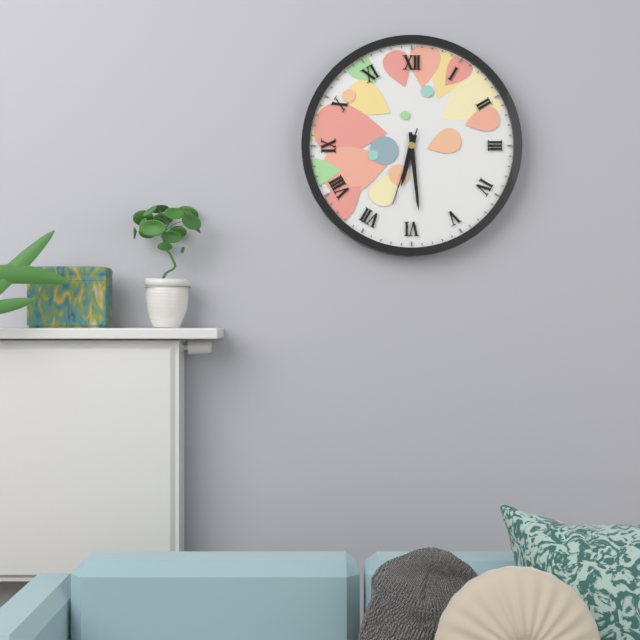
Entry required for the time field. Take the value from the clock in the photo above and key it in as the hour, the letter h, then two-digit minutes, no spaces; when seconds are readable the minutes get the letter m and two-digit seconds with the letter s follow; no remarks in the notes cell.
6h29m33s
